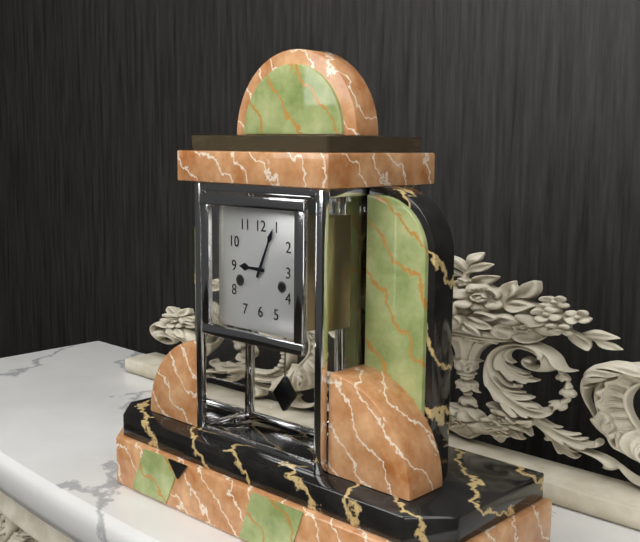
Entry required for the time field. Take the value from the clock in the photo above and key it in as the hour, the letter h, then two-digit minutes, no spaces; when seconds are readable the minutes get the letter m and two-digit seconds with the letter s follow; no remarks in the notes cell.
9h04
